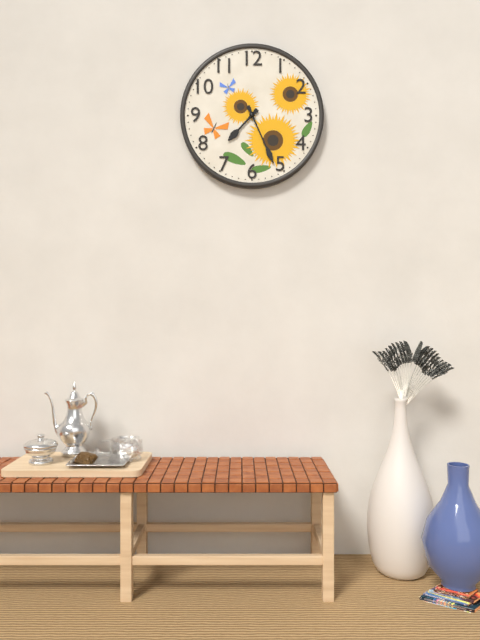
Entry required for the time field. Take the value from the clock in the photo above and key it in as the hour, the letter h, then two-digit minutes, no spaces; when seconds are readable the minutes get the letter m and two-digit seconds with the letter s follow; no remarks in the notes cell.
7h26
